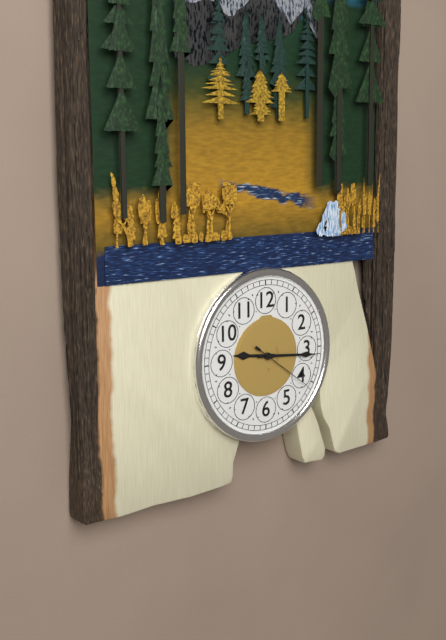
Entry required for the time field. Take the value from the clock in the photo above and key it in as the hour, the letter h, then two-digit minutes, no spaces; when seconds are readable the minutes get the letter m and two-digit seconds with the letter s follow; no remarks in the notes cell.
9h16m21s
